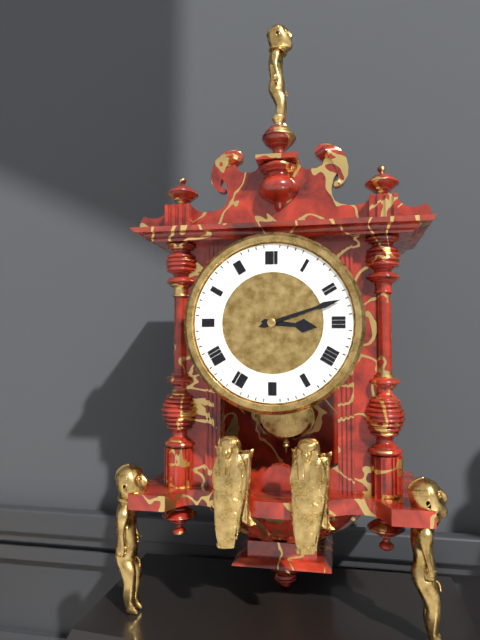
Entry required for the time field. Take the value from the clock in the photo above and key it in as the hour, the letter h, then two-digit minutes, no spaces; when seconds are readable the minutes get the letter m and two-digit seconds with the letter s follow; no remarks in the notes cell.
3h12
